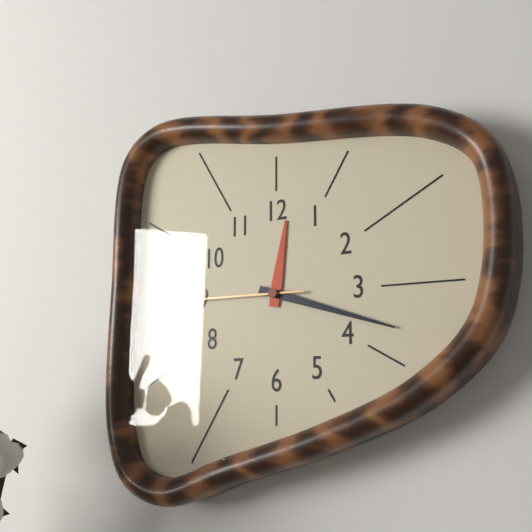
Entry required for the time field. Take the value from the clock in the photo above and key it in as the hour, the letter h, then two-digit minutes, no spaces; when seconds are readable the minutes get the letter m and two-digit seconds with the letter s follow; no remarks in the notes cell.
12h18m45s
